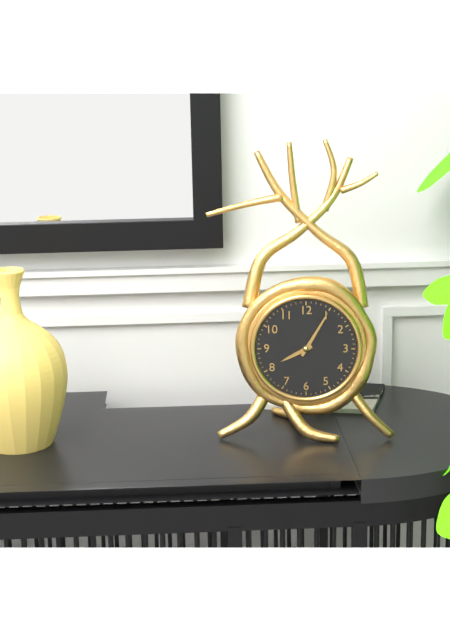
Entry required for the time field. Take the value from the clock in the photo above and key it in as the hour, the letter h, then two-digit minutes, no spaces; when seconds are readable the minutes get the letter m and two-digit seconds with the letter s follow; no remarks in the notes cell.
8h05
